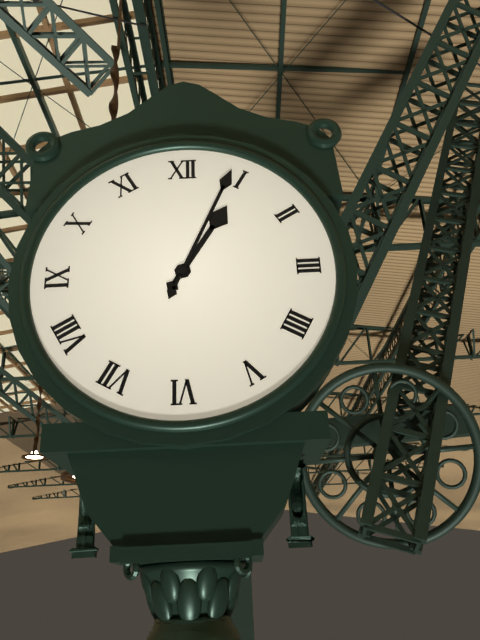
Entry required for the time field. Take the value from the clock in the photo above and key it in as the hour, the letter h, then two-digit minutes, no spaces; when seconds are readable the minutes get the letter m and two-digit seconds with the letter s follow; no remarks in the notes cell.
1h04
